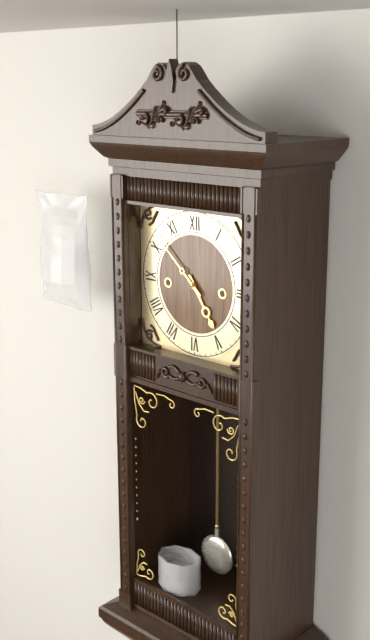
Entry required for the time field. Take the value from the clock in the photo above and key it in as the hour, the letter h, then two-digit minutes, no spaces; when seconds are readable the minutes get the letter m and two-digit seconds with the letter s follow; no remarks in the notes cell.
4h52
